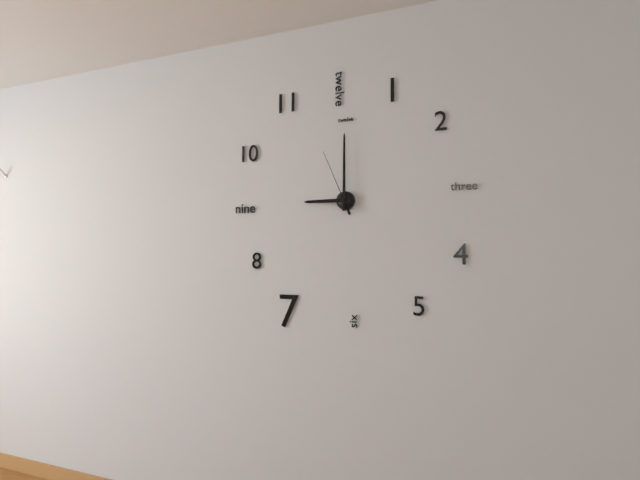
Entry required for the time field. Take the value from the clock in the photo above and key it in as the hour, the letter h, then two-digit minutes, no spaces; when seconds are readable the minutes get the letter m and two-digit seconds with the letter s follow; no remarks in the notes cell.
9h00m56s
